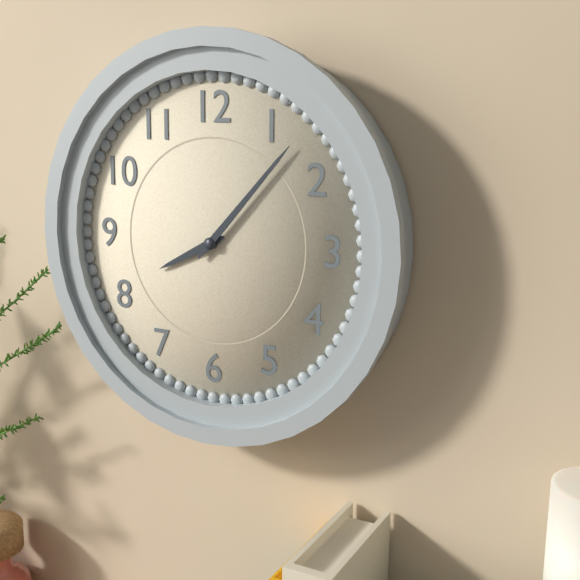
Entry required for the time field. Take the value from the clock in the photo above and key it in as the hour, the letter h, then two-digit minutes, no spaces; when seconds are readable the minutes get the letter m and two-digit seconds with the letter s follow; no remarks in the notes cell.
8h07
